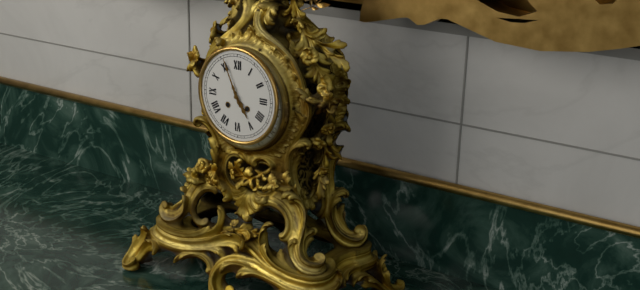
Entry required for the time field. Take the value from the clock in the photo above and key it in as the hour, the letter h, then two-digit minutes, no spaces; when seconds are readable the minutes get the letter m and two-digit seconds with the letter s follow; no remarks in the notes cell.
4h56
